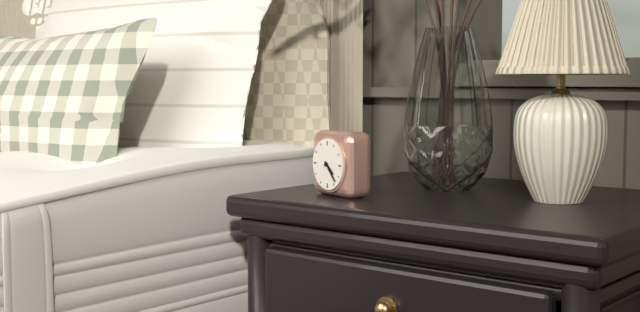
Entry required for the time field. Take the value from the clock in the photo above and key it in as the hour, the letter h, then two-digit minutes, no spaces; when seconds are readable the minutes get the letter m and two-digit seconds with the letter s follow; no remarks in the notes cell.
4h23
